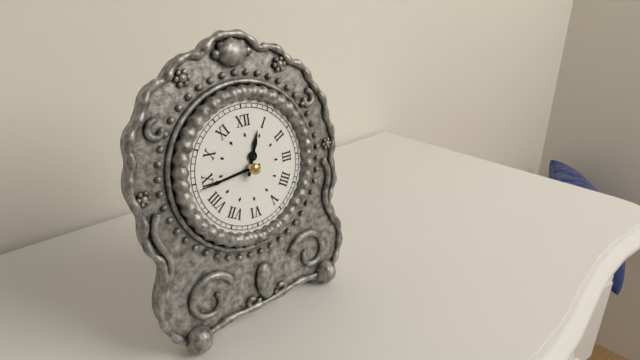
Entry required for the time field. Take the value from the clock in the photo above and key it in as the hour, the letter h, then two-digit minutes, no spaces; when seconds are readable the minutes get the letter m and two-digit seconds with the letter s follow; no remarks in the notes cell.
12h44
